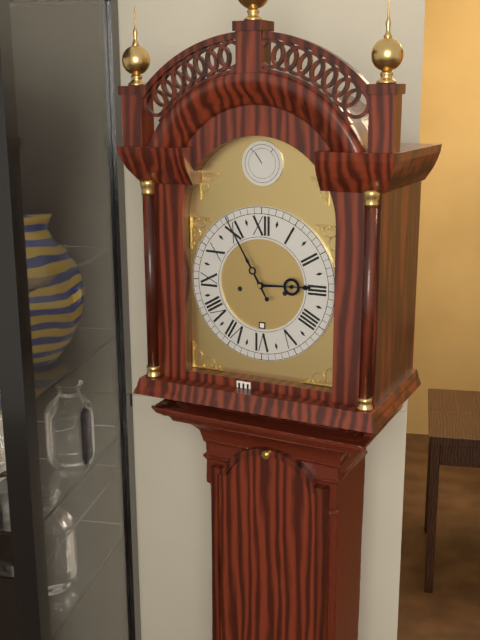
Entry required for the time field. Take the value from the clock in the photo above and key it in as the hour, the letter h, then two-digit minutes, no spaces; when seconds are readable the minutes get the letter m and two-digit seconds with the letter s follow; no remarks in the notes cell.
2h55
